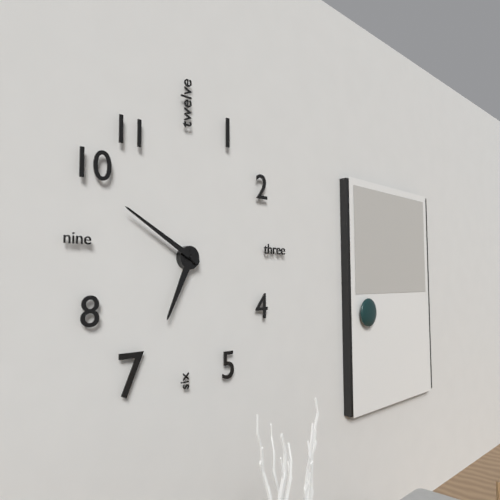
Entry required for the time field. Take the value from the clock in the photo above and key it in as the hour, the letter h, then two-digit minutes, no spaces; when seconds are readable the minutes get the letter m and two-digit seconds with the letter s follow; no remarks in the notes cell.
6h50
